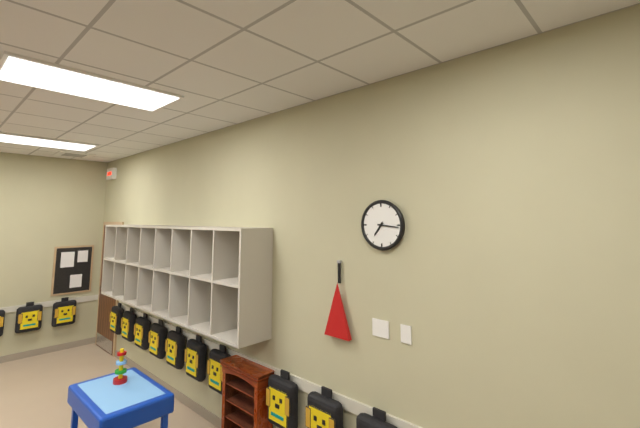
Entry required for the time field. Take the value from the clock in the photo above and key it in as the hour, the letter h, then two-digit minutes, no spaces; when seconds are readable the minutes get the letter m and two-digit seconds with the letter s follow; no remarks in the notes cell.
7h16
